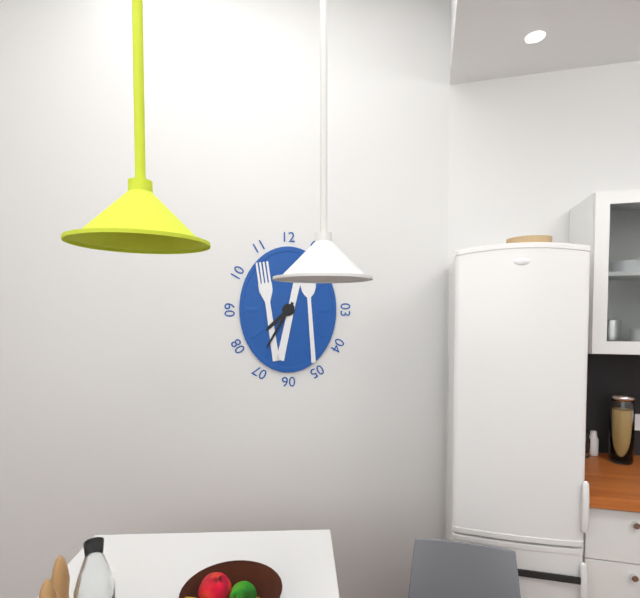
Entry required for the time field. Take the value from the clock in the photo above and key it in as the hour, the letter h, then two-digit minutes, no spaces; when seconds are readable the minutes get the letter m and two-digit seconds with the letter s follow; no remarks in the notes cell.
7h35
